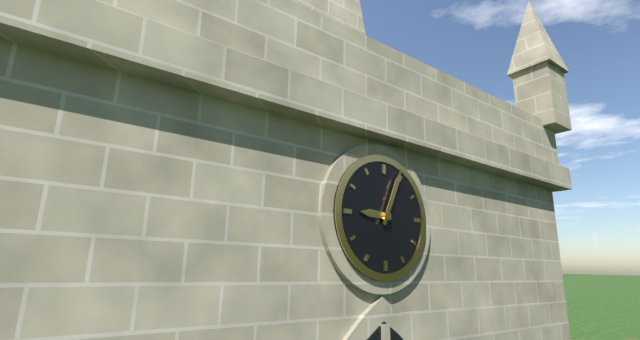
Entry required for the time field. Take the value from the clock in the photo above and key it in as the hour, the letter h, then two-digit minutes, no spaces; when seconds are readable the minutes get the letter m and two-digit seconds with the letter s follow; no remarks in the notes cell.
9h04
